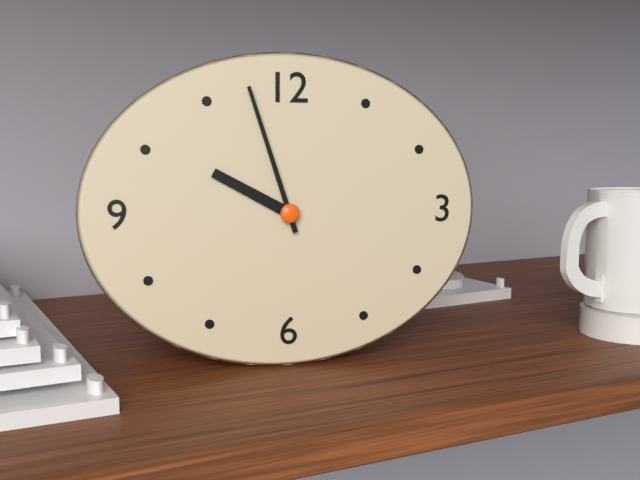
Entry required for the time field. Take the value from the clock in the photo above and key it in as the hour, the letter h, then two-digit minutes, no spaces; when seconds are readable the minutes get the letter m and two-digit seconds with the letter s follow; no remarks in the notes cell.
9h57
